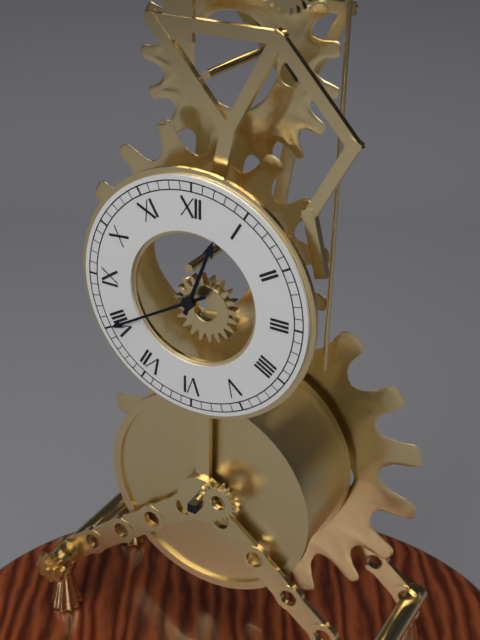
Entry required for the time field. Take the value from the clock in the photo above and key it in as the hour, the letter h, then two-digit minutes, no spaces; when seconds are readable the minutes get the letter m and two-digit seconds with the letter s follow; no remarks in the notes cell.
12h40
